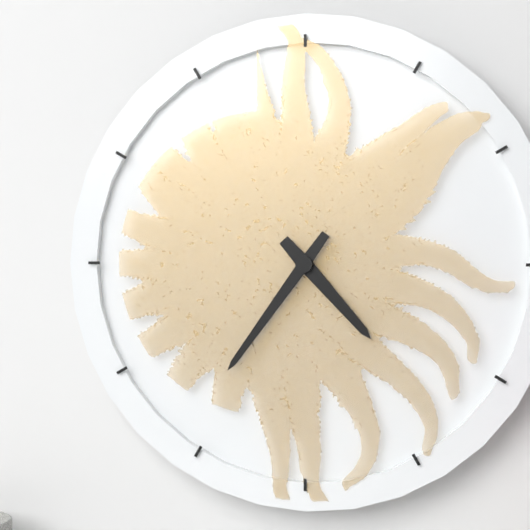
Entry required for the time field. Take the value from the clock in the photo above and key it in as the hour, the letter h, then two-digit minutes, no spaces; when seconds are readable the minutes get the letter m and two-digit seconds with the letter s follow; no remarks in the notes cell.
4h36
